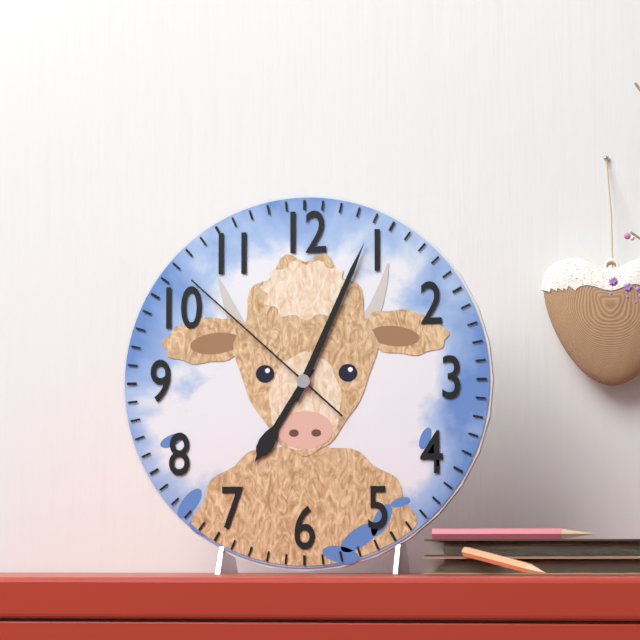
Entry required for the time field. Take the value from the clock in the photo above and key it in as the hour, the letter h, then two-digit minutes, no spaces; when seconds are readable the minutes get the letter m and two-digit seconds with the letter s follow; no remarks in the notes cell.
7h04m52s
